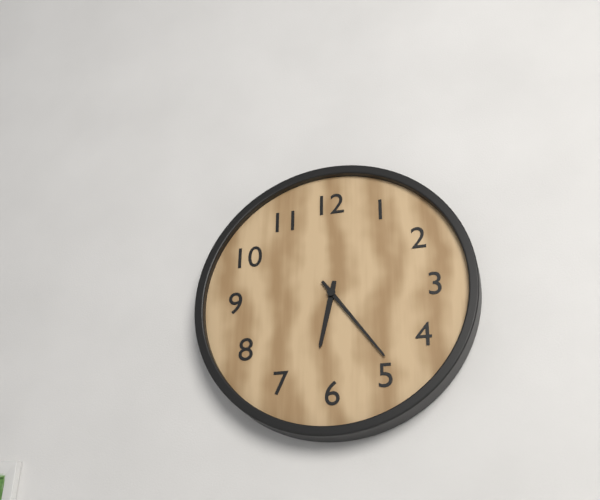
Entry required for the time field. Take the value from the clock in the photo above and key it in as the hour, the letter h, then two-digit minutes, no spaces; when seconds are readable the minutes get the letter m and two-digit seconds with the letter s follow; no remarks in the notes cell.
6h24
